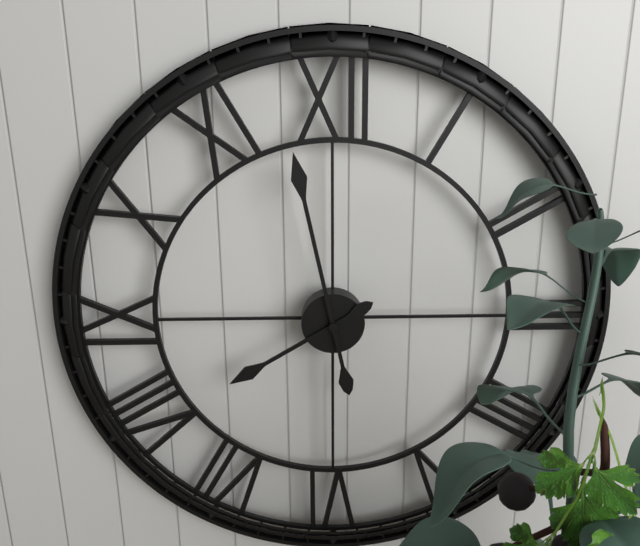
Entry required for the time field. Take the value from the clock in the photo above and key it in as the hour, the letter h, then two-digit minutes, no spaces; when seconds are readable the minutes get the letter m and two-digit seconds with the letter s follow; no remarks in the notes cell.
7h58
